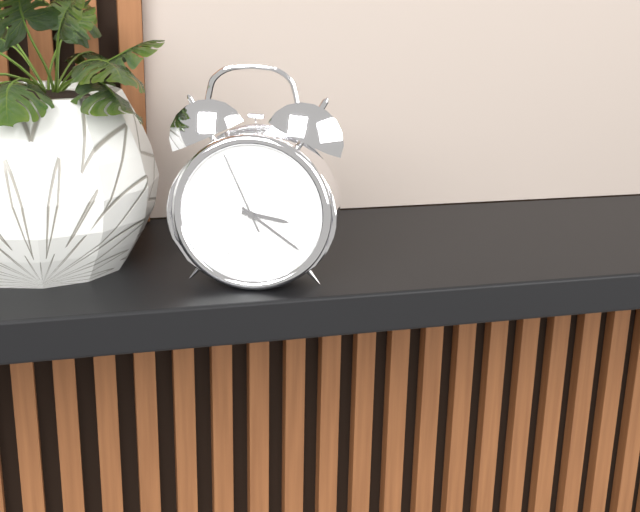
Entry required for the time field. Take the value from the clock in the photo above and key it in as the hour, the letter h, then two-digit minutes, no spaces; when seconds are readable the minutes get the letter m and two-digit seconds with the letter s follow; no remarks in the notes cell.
3h21m56s
